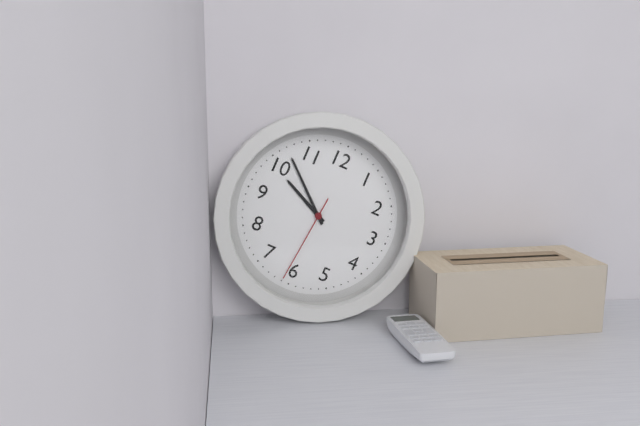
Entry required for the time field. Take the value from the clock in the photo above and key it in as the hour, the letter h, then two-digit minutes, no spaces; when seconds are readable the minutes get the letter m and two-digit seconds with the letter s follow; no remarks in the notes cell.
9h52m31s
